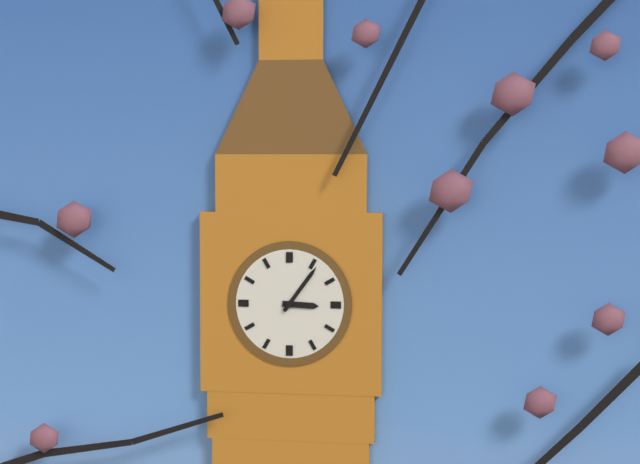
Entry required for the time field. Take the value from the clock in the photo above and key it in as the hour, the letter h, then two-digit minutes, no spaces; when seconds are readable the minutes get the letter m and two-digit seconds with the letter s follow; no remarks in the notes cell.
3h06
